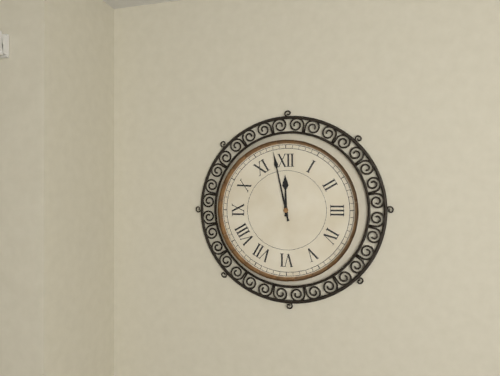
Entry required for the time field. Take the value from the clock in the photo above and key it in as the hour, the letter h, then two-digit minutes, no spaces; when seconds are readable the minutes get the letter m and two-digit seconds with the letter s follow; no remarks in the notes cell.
11h58
